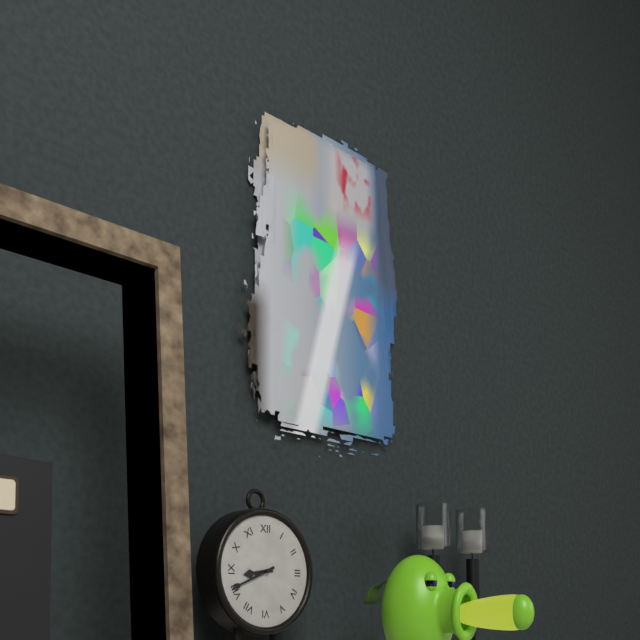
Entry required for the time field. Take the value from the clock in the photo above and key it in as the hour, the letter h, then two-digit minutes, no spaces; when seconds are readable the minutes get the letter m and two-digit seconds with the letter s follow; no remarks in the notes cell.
8h41
